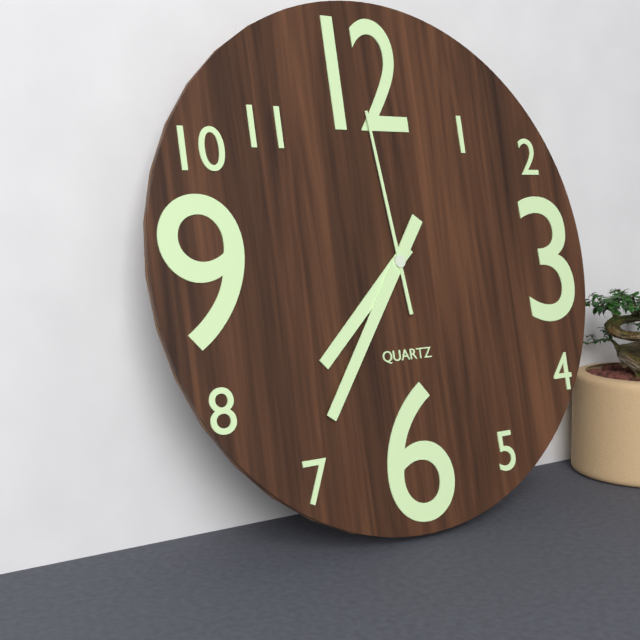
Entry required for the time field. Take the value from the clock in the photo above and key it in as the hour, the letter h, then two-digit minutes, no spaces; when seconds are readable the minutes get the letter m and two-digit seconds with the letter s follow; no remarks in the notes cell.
7h36m59s
